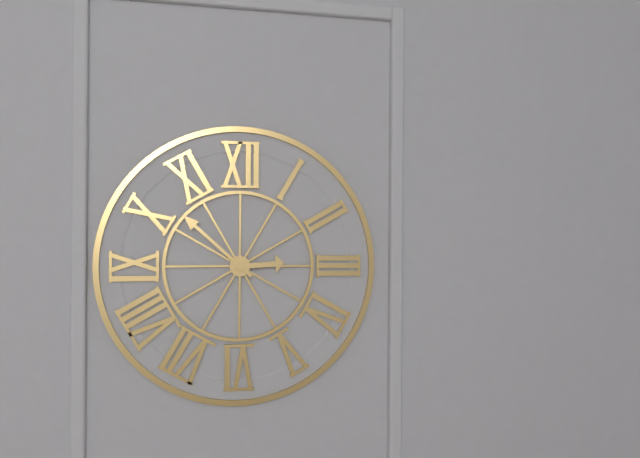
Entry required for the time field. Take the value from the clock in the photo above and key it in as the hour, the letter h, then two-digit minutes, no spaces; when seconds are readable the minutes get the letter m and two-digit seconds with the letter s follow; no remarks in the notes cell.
2h52
